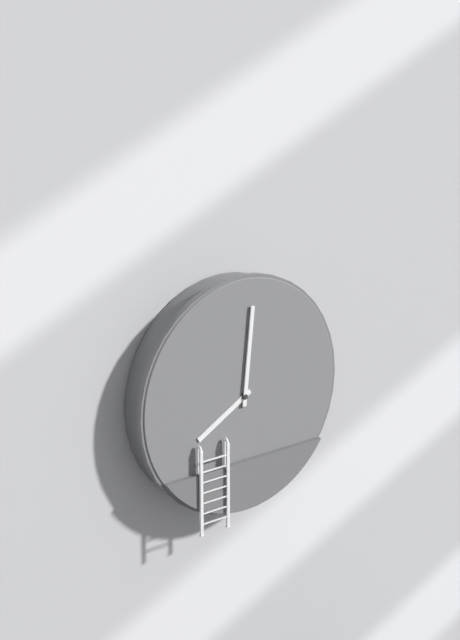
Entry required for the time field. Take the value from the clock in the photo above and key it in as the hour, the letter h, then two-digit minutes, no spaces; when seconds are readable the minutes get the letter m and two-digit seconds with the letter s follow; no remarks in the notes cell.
8h01
